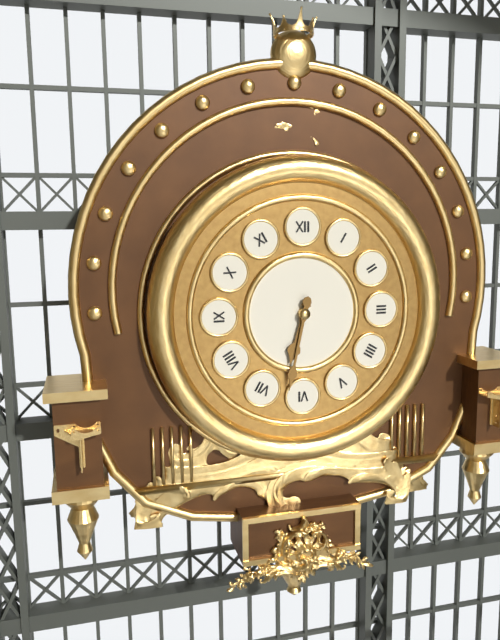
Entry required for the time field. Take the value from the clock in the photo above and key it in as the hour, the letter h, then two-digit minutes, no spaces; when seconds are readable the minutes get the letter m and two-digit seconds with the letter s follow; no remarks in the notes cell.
6h32
